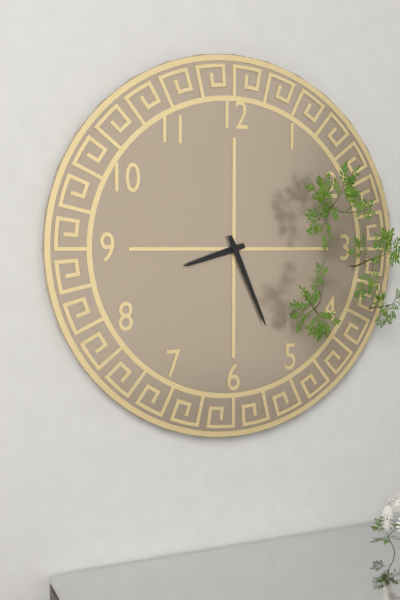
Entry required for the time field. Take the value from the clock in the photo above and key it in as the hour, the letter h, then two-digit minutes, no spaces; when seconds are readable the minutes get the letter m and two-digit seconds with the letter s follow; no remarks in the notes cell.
8h26
